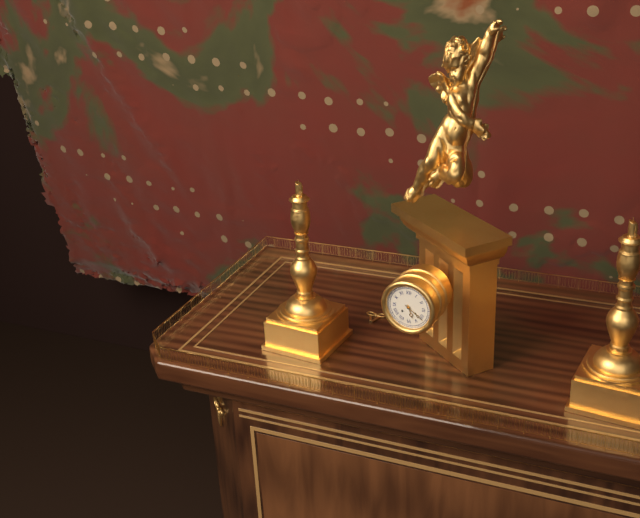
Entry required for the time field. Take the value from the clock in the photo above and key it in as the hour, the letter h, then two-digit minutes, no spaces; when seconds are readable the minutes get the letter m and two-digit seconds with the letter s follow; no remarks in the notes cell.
5h21
